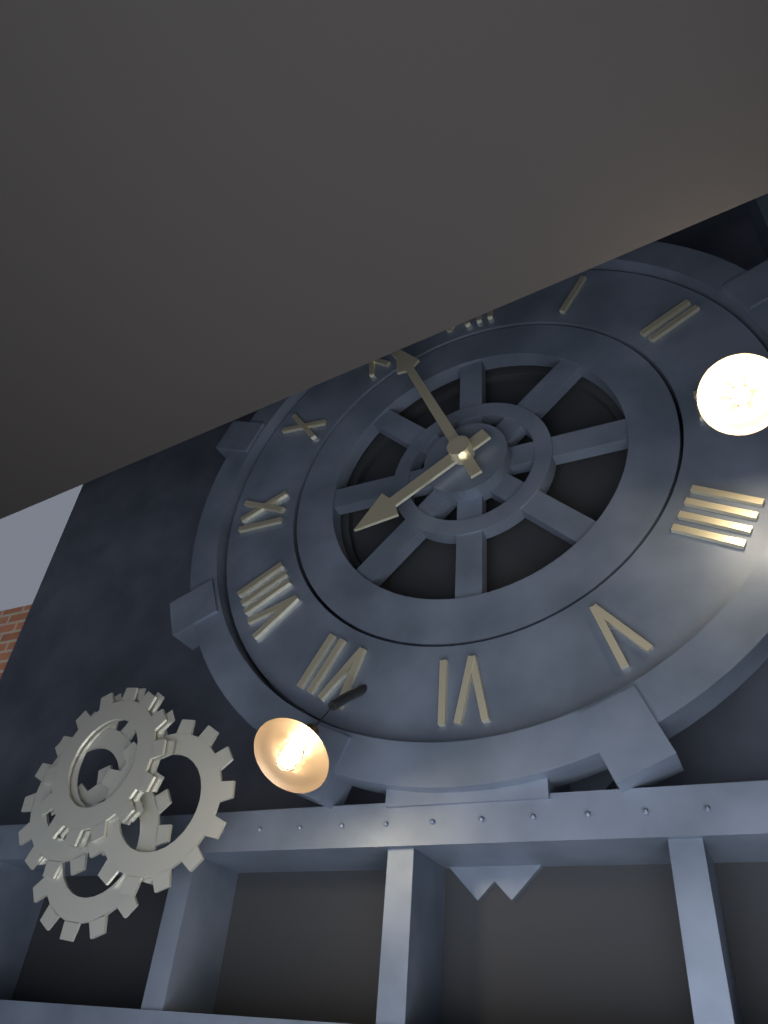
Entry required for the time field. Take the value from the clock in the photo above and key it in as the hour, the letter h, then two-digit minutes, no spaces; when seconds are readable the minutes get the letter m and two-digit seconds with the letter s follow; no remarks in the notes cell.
7h56
